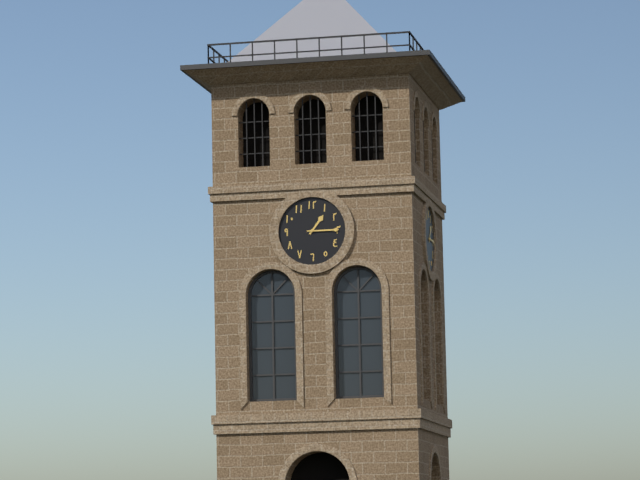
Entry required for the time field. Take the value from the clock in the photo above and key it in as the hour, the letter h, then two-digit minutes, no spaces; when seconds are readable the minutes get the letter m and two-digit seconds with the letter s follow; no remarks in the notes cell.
1h15
